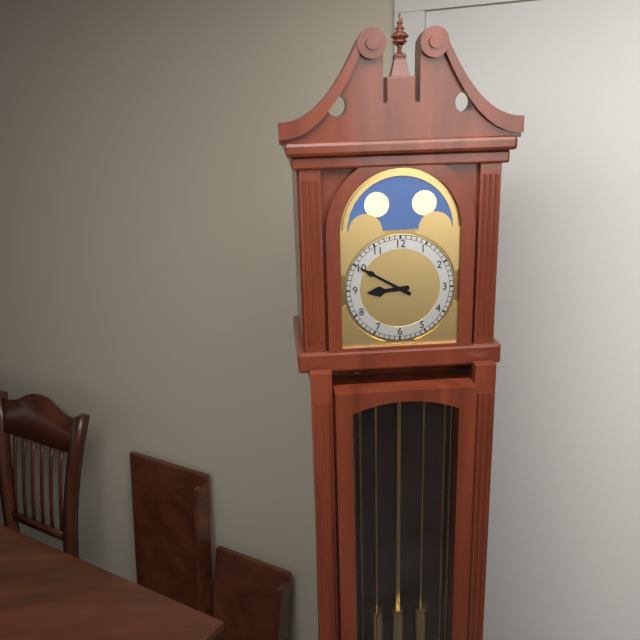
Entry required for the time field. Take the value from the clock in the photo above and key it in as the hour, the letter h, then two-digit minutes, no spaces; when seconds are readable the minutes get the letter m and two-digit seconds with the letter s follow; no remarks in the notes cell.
8h50
